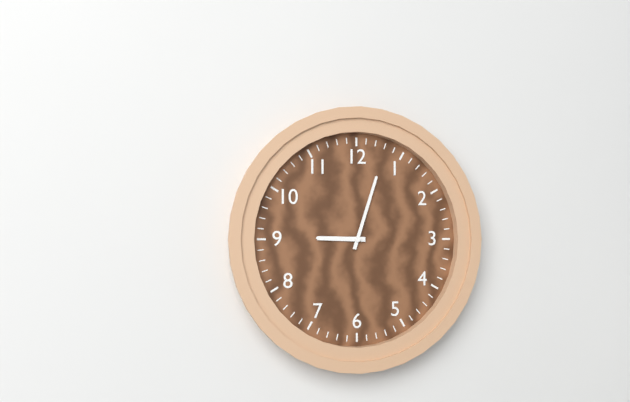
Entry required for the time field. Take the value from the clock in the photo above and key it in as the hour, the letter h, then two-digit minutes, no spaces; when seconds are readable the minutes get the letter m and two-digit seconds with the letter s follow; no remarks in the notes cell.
9h03
